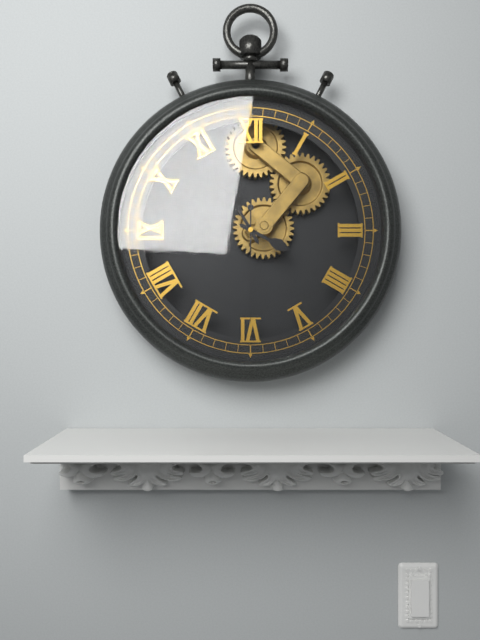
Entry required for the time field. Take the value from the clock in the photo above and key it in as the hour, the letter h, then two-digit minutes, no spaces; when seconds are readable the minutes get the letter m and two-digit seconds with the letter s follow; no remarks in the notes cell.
3h55m30s
